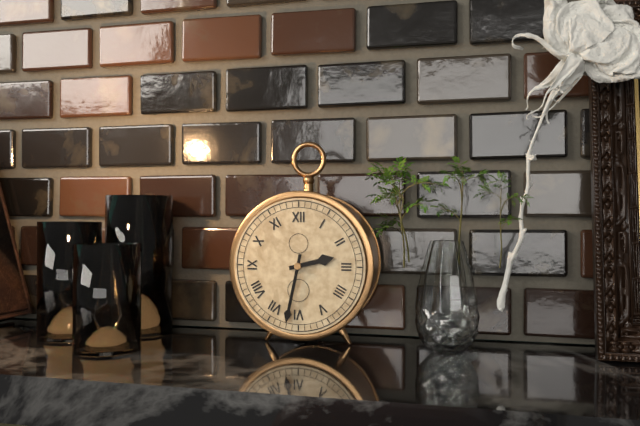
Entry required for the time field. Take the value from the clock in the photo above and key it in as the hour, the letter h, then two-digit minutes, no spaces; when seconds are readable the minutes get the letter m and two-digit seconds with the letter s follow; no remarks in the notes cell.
2h32
